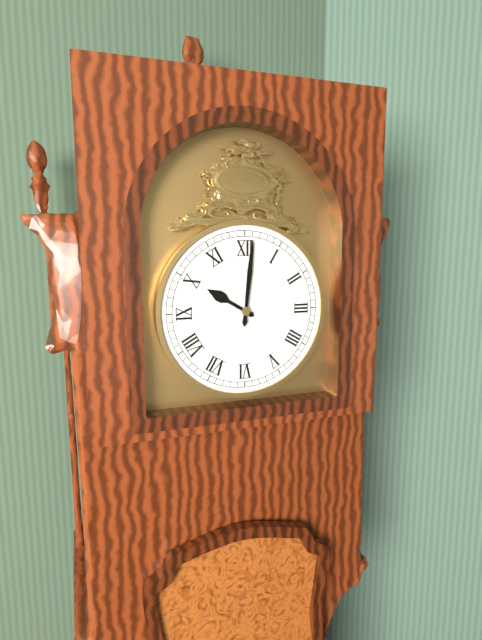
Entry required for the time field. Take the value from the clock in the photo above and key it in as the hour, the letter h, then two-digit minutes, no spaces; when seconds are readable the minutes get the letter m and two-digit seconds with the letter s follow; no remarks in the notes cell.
10h01
